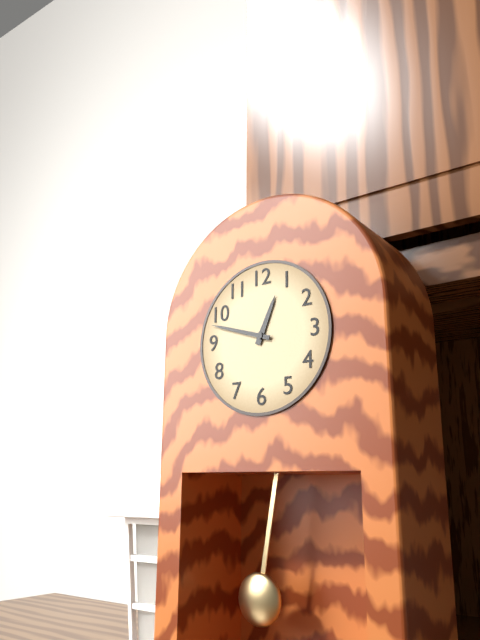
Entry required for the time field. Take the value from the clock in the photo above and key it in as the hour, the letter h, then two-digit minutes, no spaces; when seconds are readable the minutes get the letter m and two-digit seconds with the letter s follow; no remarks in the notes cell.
12h48
